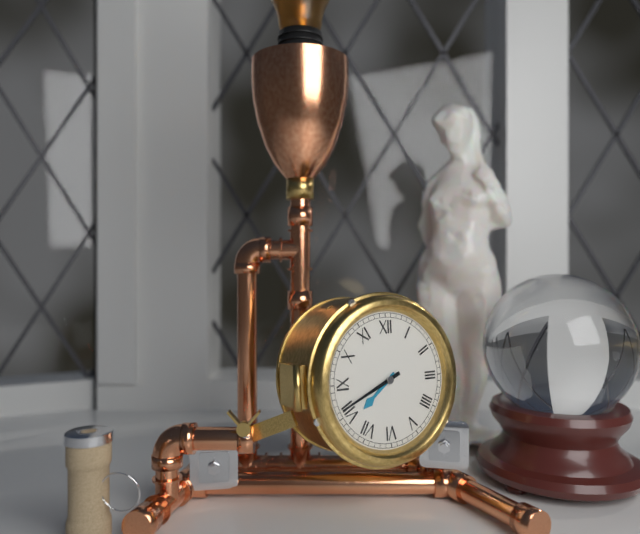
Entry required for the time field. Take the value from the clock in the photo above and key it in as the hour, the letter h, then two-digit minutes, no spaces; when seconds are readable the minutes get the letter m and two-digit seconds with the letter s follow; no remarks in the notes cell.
7h41
